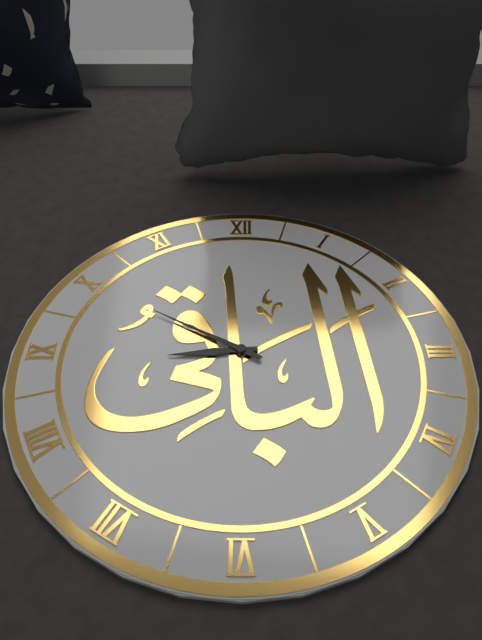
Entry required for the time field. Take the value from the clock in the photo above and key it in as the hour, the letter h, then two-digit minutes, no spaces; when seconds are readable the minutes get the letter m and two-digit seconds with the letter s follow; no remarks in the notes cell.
8h50
